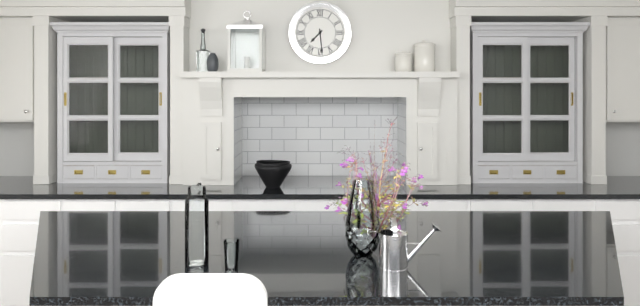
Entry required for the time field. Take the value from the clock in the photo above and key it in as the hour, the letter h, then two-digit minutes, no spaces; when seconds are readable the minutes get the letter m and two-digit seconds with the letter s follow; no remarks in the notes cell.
7h29
